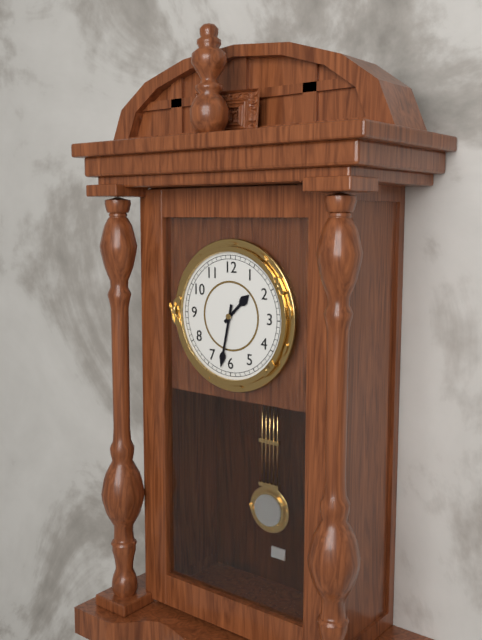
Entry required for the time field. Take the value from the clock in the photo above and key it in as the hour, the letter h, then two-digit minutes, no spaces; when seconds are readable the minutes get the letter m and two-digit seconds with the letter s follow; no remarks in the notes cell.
1h32
